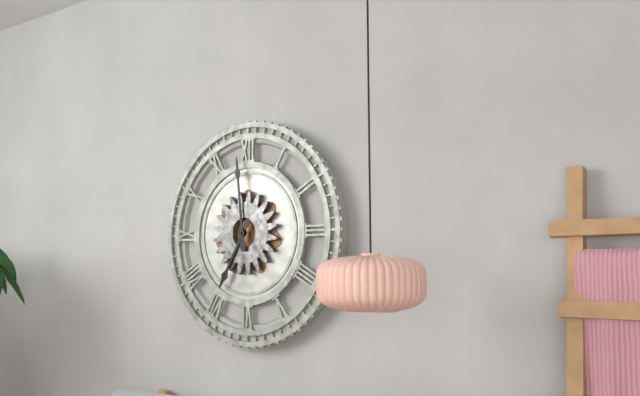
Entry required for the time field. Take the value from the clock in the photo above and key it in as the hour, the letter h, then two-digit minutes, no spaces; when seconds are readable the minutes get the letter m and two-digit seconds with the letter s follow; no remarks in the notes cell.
6h59
